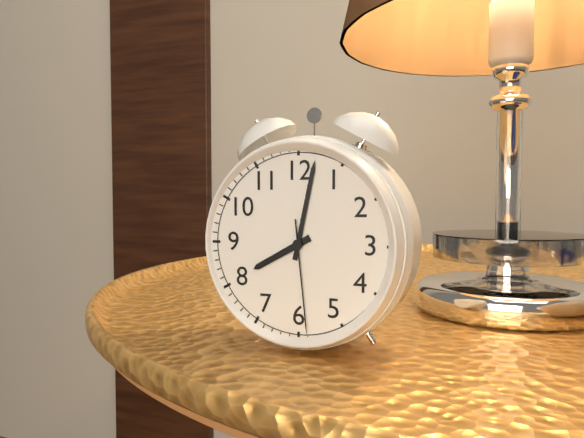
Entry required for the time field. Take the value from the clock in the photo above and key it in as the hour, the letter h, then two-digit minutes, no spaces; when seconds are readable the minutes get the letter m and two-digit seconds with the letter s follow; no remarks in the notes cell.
8h02m29s
